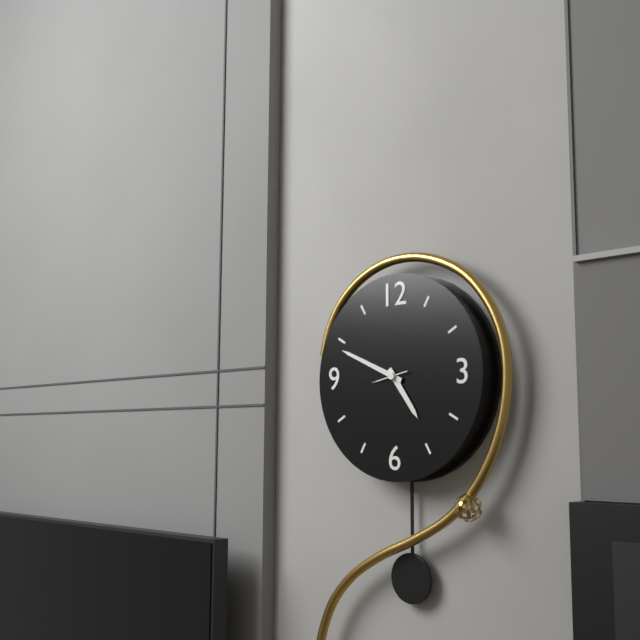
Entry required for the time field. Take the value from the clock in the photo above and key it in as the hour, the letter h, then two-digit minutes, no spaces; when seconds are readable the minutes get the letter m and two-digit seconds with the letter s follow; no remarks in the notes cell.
4h49
